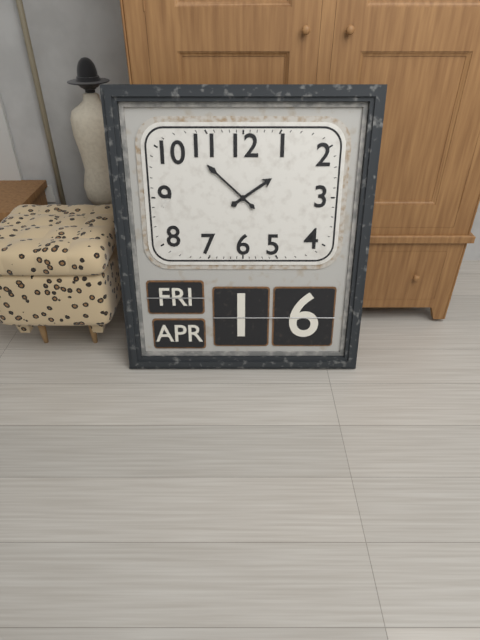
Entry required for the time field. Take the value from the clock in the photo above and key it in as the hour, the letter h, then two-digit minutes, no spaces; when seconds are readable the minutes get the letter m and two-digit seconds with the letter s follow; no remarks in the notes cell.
1h52
